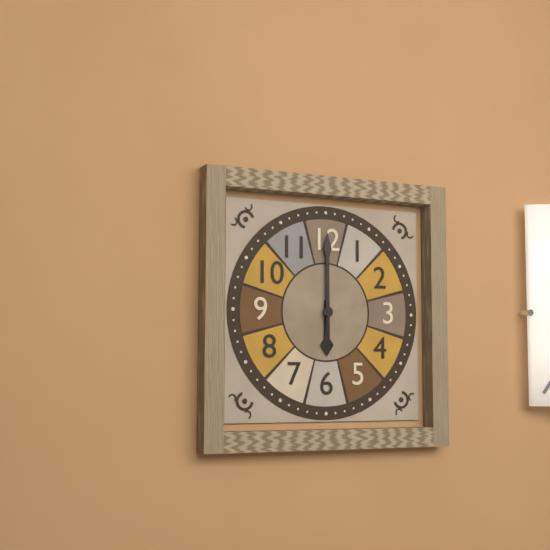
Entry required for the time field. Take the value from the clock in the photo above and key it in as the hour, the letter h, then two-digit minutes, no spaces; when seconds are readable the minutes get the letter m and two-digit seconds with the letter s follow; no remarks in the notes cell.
6h00
